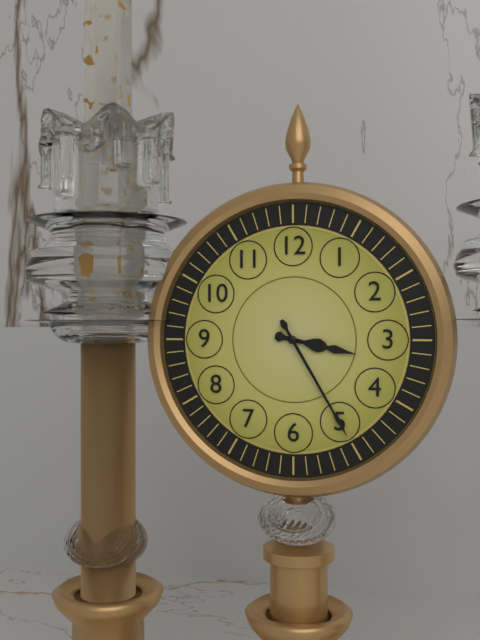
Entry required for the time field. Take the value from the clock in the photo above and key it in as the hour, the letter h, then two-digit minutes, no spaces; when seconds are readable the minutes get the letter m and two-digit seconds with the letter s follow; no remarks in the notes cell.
3h25
